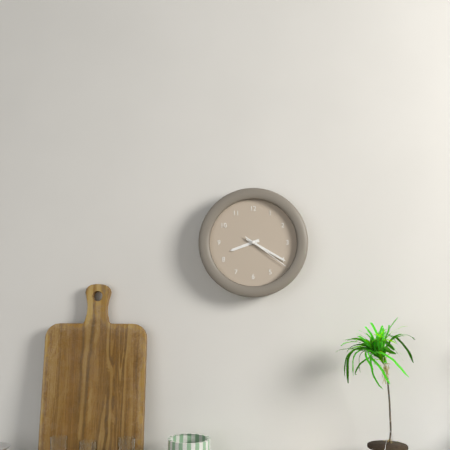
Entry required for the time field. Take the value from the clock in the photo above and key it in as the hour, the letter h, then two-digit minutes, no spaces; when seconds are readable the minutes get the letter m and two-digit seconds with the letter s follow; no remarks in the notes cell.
8h20
